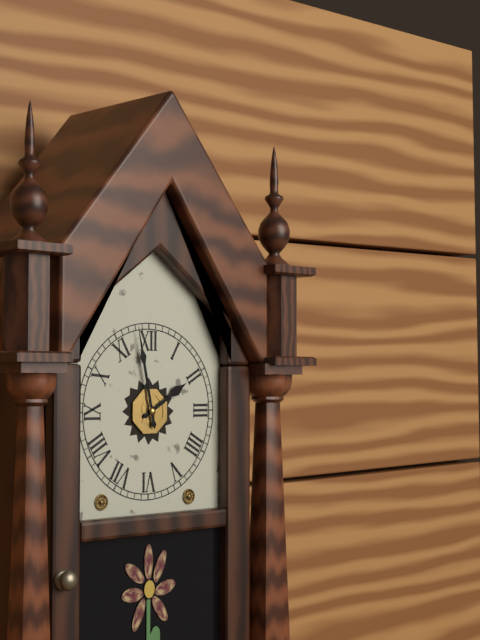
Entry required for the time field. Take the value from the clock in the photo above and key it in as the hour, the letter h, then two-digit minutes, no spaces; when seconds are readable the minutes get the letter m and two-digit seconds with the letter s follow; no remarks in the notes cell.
1h58
